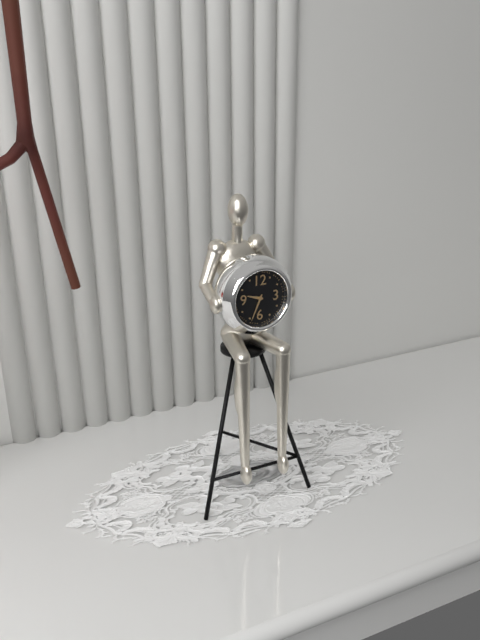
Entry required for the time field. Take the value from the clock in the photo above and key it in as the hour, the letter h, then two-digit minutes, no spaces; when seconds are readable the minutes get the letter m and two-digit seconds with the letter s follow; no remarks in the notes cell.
9h34
